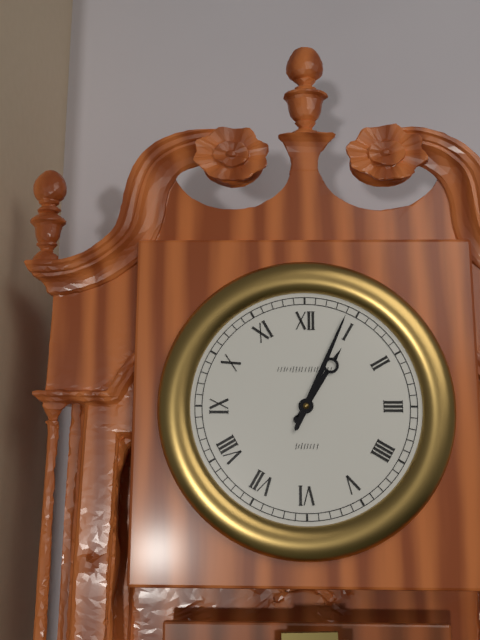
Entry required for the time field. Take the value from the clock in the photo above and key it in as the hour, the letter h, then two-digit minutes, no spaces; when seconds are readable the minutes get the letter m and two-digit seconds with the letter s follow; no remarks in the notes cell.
1h04
